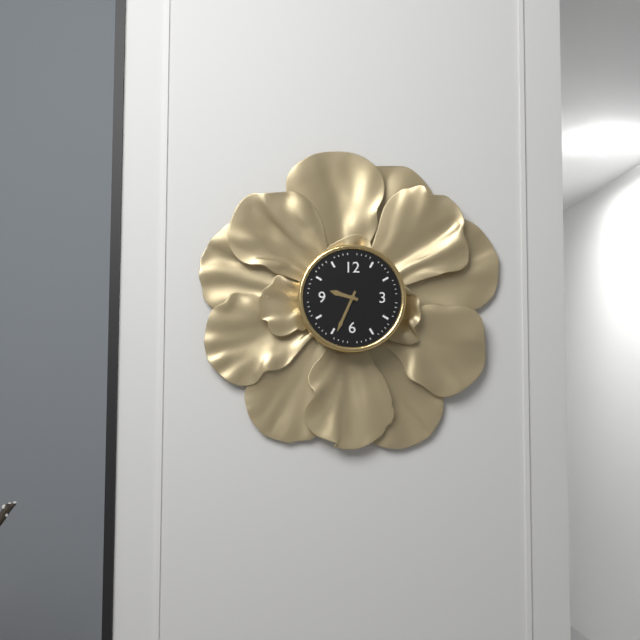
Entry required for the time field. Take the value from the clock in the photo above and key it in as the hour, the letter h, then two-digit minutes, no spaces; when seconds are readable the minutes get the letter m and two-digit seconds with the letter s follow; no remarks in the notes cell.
9h34
